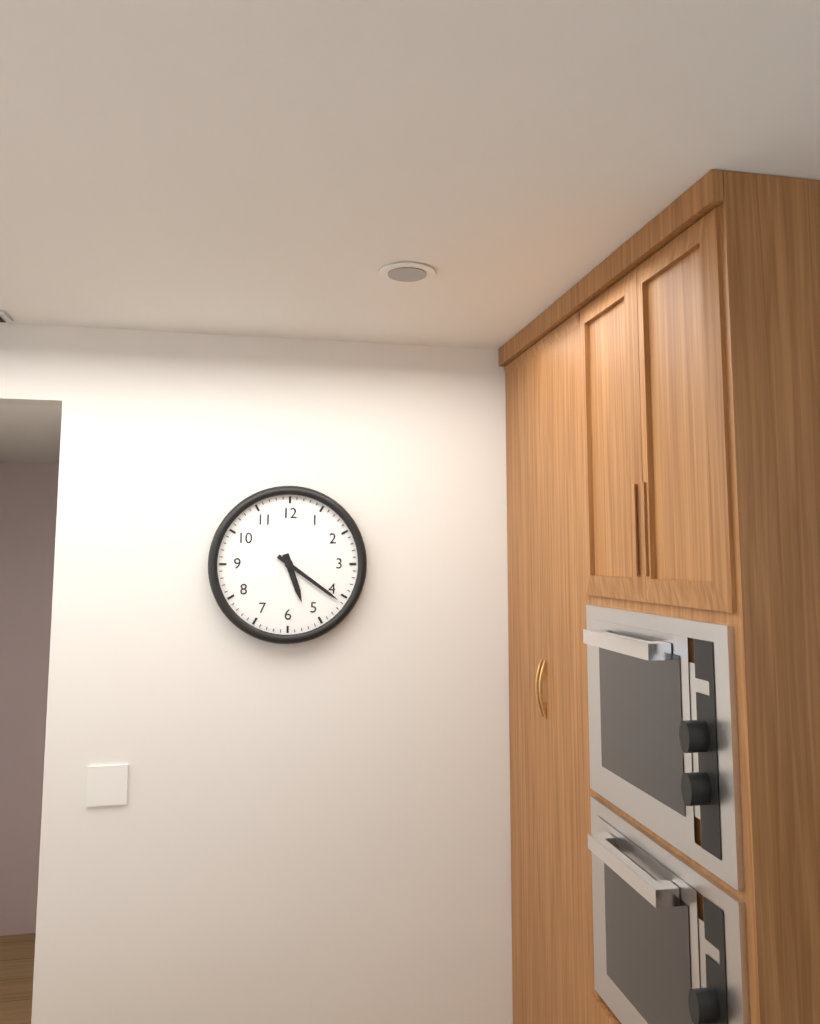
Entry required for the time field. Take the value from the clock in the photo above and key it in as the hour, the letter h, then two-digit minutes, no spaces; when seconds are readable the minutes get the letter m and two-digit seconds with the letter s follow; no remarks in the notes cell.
5h21
